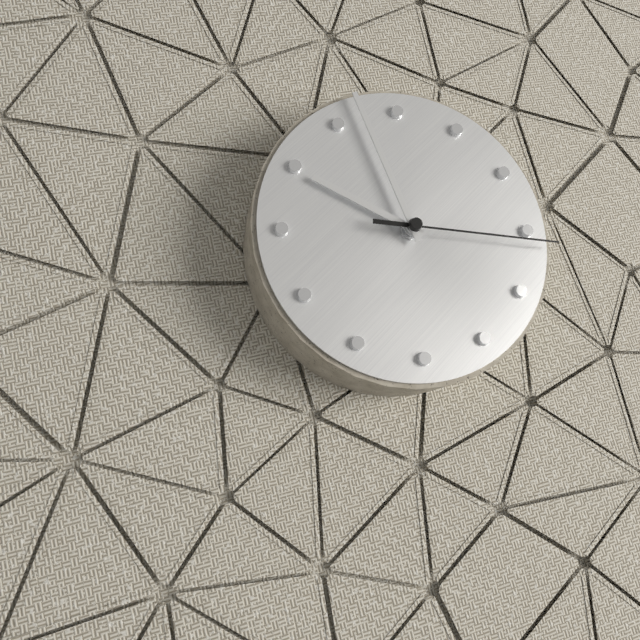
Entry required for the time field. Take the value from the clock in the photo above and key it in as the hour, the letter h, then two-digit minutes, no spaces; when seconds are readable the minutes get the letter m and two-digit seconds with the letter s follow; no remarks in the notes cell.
9h57m16s
